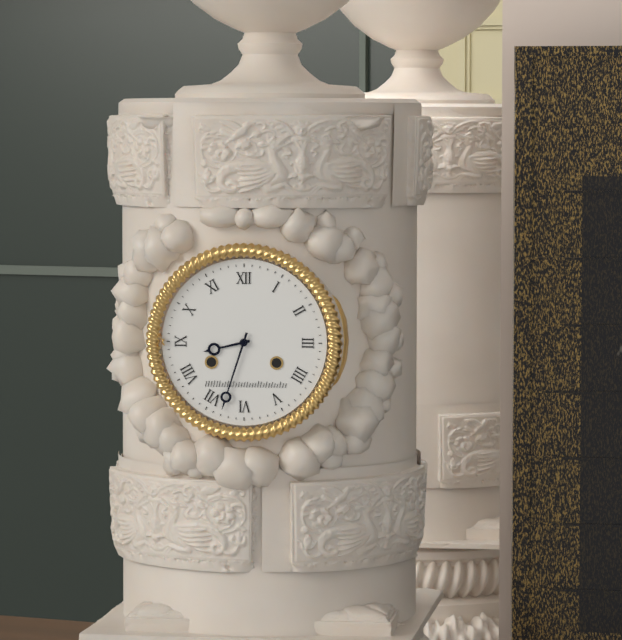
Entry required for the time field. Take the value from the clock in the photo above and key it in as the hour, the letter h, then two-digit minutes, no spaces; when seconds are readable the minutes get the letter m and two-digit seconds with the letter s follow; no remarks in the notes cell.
8h33
